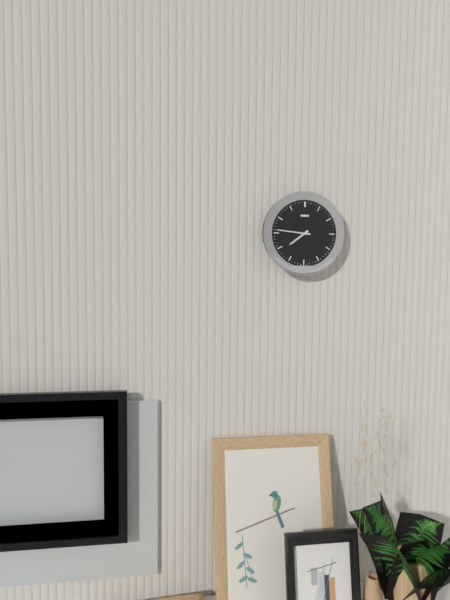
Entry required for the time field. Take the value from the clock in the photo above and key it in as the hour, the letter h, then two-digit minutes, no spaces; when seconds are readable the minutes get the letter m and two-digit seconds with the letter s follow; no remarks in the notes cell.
7h46
